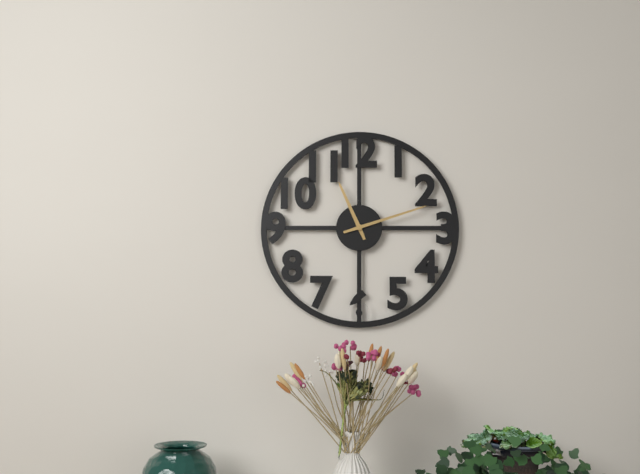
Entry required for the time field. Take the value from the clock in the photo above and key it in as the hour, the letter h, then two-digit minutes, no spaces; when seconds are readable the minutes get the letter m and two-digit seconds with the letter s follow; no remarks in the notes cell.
11h12
